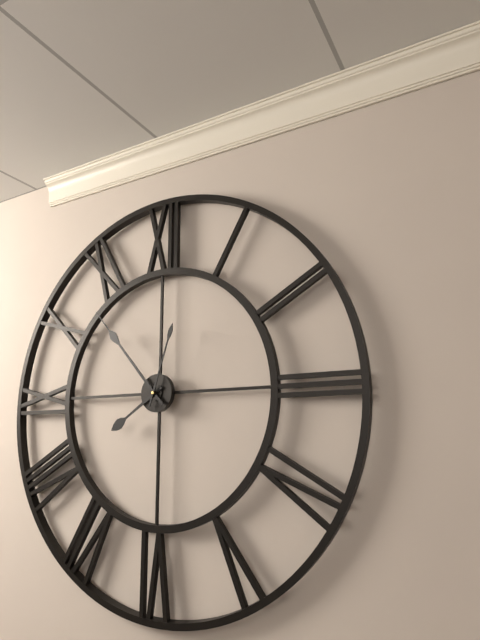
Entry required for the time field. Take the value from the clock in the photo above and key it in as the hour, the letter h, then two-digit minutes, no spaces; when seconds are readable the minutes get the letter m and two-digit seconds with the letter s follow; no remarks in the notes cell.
7h53m03s
